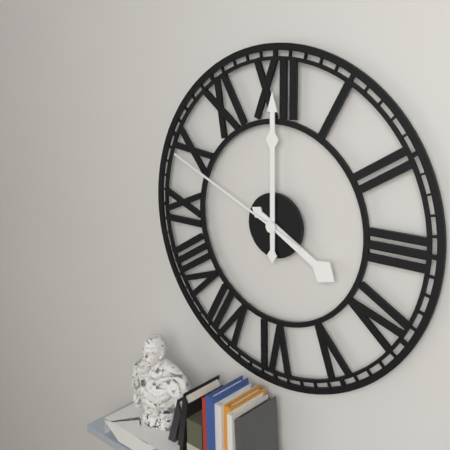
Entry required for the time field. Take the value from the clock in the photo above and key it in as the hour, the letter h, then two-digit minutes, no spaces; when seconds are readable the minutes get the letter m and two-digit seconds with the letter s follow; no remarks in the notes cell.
4h00m49s
